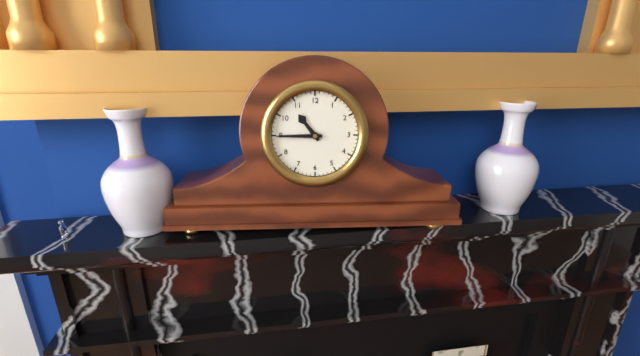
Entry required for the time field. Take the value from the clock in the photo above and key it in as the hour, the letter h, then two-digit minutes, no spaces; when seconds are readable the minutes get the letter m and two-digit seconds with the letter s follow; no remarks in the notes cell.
10h45
